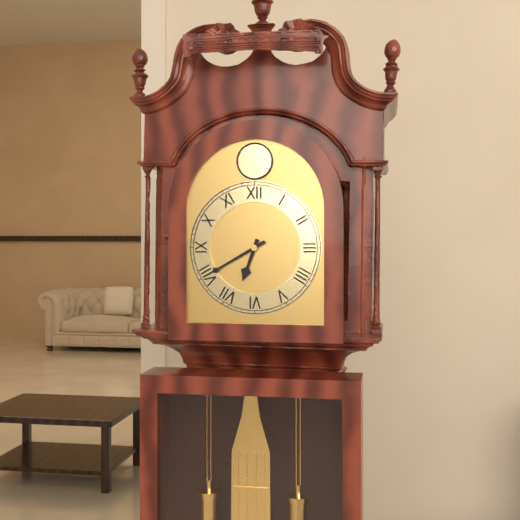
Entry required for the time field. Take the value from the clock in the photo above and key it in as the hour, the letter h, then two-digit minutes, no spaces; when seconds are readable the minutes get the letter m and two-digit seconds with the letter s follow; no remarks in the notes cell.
6h40
